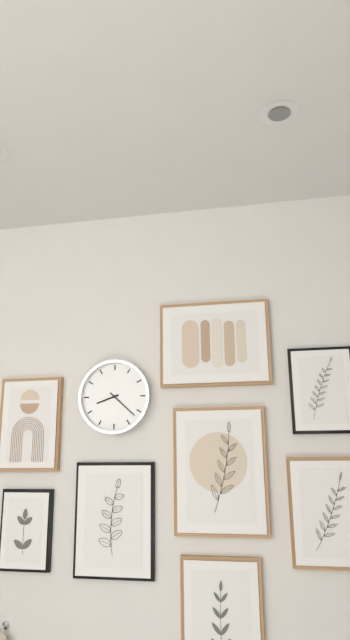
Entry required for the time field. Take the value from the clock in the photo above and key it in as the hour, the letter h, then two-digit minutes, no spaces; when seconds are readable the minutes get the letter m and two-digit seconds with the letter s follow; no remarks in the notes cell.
8h22
